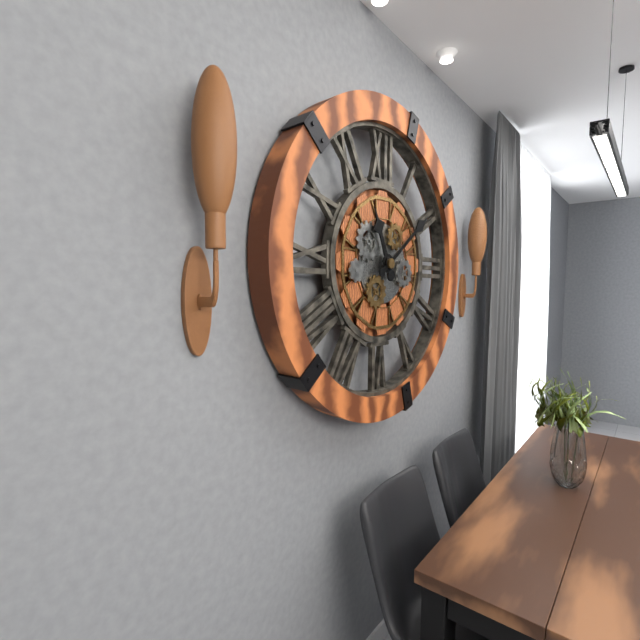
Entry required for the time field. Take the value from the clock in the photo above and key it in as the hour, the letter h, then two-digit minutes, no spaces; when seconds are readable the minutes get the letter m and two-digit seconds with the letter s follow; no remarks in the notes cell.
11h09
